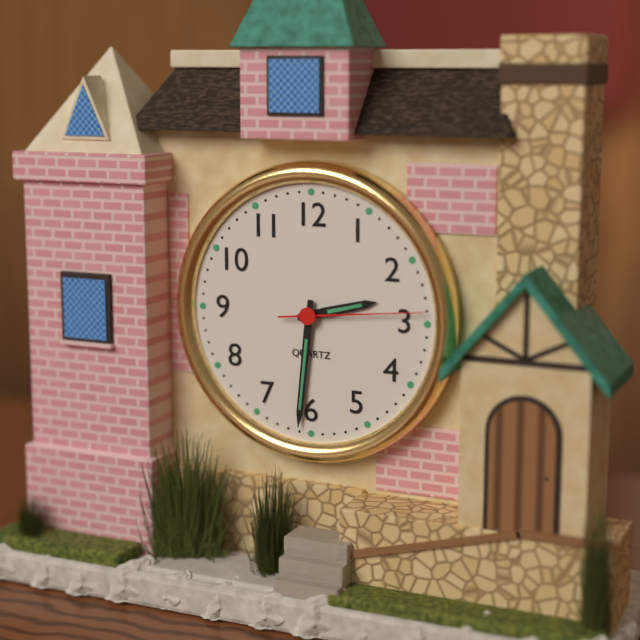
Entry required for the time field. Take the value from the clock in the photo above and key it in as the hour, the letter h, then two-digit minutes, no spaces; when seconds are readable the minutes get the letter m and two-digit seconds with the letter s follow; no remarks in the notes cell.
2h31m14s
